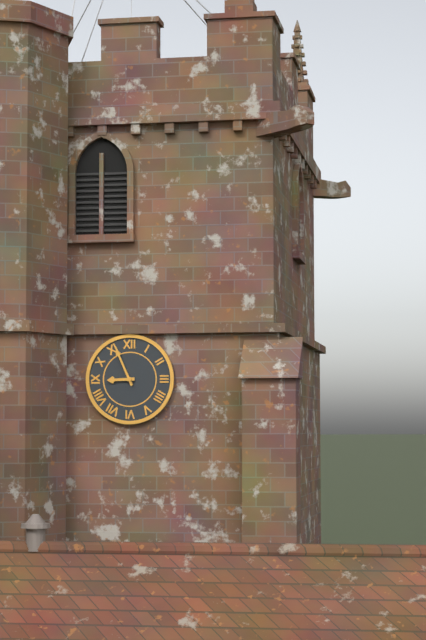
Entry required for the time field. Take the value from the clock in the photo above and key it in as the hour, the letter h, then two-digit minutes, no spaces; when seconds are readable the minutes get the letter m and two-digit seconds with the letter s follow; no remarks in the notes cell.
8h56
